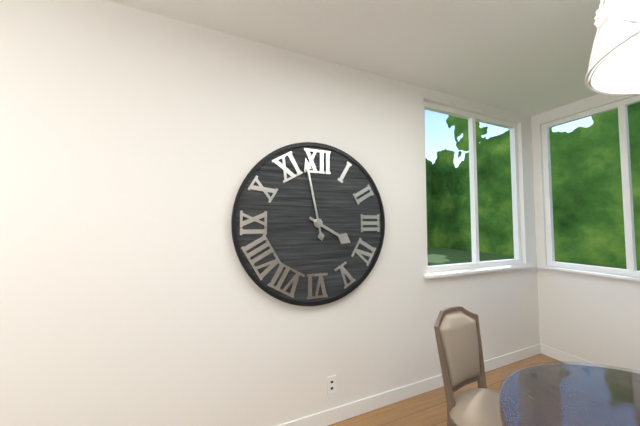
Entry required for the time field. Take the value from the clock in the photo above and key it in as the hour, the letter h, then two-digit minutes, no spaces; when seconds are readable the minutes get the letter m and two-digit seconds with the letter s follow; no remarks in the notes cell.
3h58
